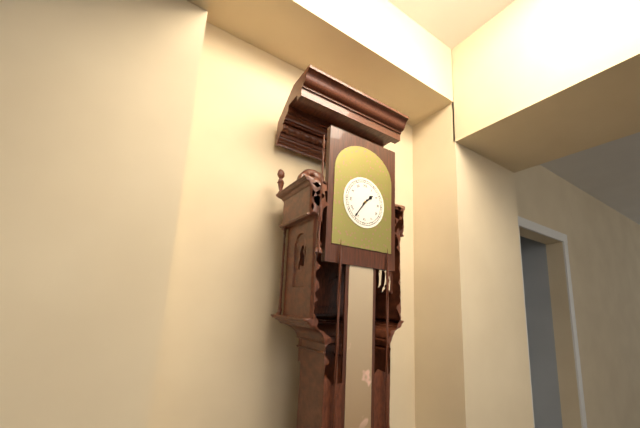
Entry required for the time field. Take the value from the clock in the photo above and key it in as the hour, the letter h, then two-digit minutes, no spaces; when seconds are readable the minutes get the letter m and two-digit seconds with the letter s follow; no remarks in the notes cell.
1h36
